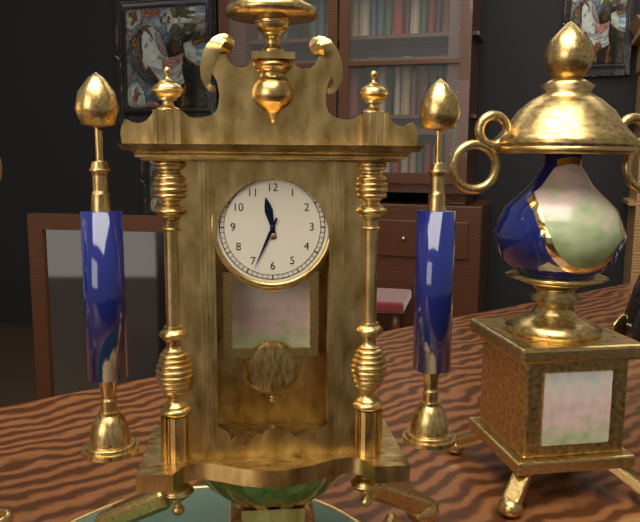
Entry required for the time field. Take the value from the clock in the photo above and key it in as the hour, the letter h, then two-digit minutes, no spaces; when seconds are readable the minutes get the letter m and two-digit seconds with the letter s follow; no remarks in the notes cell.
11h34
